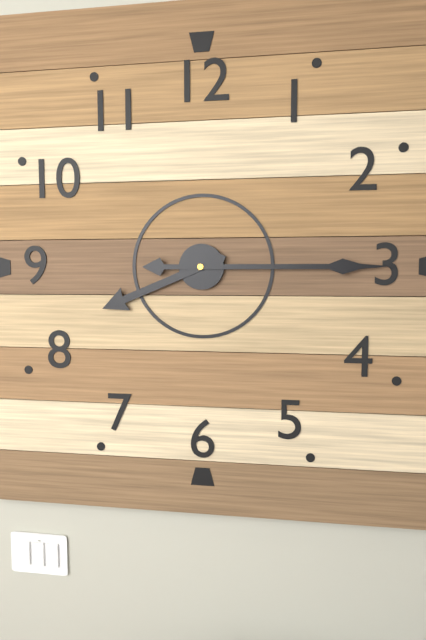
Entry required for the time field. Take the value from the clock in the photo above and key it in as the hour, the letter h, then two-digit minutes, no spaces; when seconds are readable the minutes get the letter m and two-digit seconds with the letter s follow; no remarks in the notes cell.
8h15
